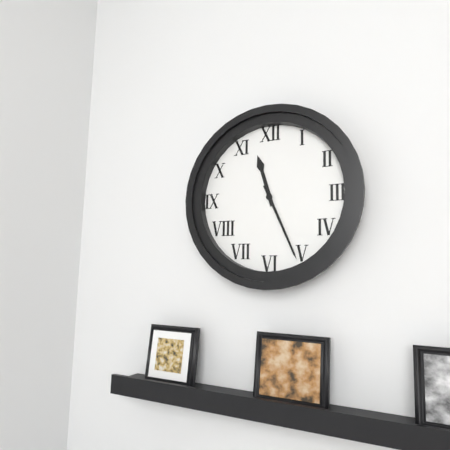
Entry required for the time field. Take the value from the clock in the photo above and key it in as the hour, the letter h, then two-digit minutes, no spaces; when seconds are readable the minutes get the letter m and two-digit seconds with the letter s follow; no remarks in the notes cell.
11h26
